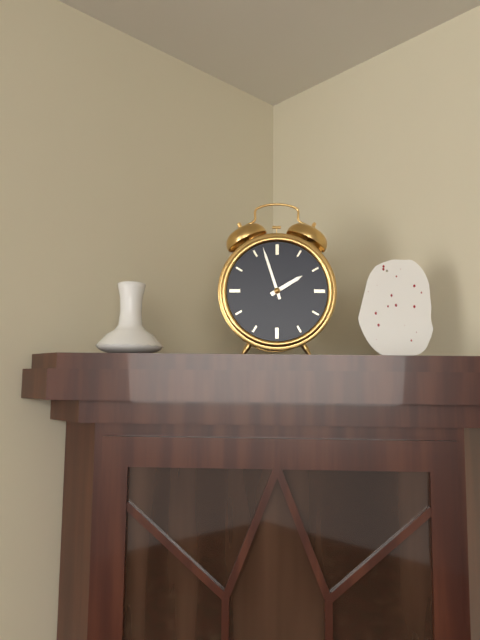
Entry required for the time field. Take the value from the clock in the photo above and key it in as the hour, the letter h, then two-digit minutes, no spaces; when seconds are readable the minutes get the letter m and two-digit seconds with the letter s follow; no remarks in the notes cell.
1h57
